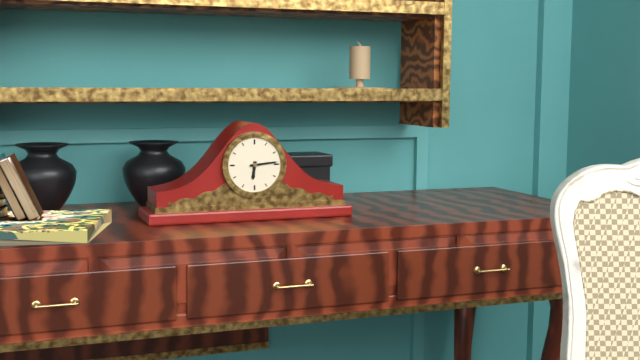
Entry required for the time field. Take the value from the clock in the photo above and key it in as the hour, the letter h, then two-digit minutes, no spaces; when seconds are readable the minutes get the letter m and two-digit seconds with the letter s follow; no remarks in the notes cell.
6h14
